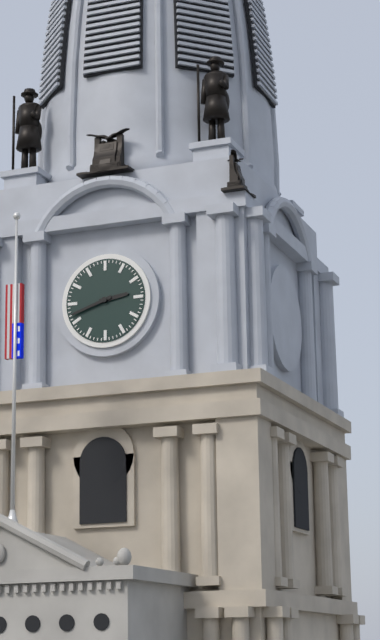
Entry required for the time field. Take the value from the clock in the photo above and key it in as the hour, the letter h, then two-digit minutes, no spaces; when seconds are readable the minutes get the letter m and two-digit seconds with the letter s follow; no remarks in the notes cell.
2h42
